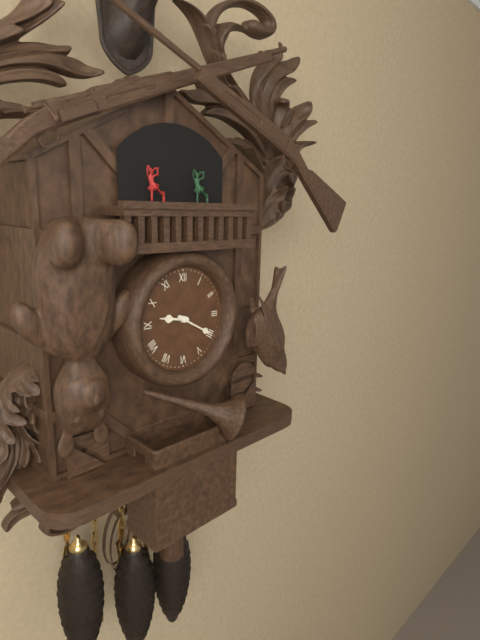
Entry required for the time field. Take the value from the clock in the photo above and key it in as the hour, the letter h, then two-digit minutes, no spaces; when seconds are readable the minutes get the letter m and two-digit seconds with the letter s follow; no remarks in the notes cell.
9h20
